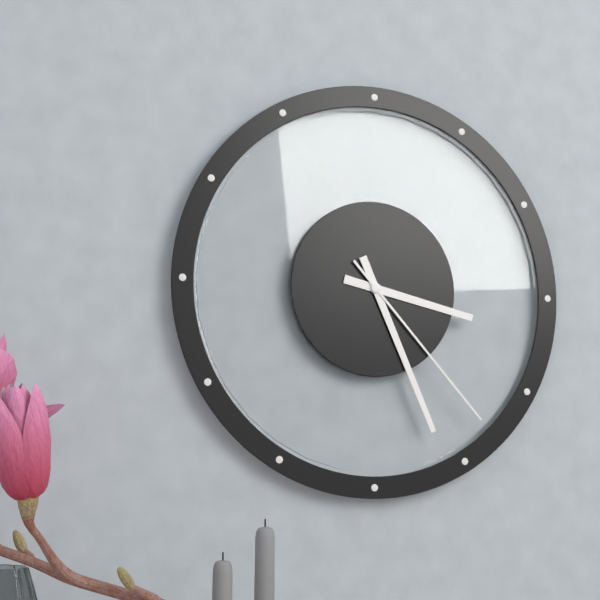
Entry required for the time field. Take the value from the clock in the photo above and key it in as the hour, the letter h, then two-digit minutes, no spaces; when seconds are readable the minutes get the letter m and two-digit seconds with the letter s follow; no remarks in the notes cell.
3h26m23s
